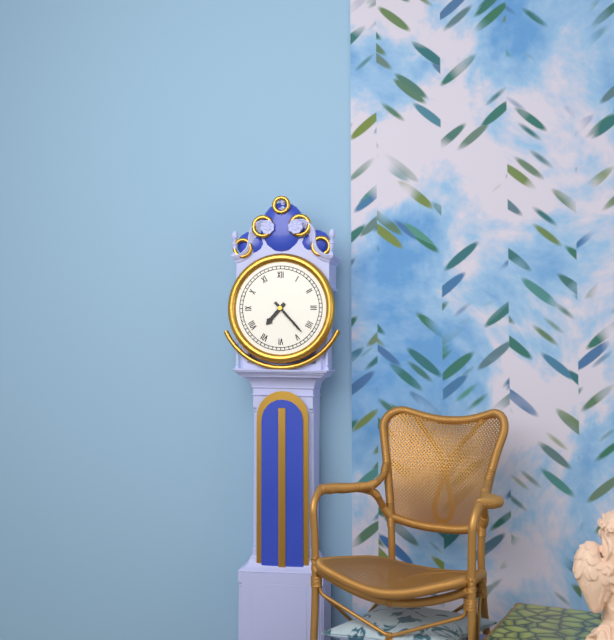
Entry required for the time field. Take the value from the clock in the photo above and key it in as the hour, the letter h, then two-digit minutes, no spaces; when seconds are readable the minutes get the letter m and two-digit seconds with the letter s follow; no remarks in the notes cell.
7h23
